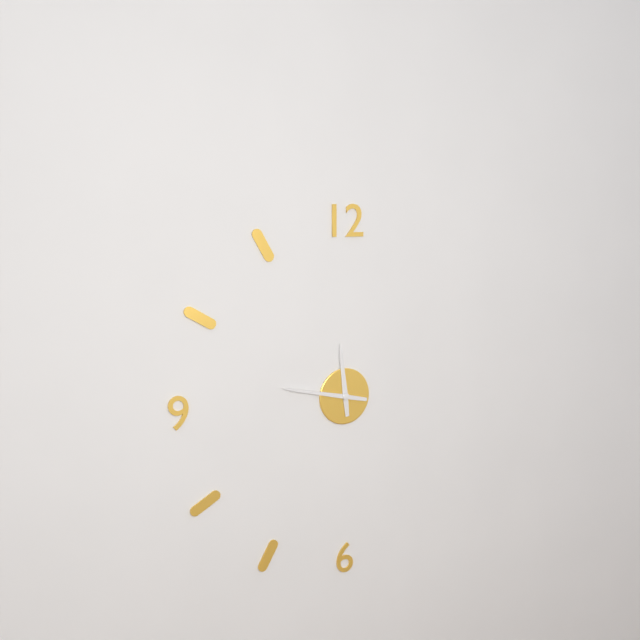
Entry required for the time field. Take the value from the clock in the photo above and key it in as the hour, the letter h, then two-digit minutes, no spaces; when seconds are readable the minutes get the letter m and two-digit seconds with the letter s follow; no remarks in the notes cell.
11h47
